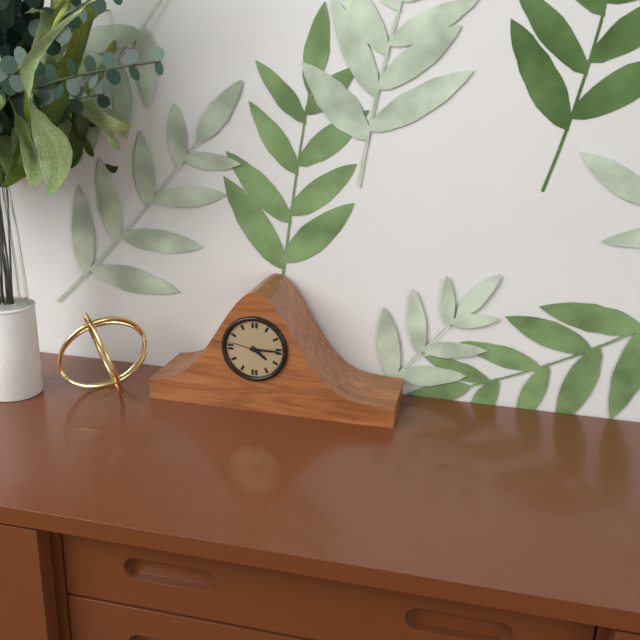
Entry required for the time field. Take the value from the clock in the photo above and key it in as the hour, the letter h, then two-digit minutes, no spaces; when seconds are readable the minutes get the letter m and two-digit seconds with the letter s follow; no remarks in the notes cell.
4h15
